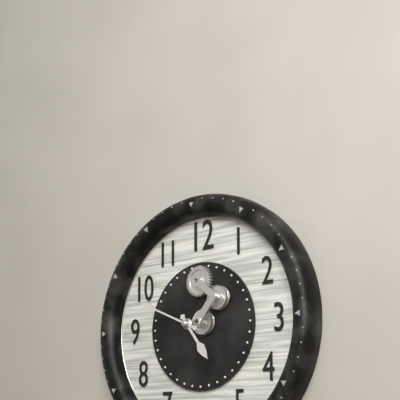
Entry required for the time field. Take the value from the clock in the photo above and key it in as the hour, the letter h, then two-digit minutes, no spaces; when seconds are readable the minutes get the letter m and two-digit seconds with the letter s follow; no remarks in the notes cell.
4h49
